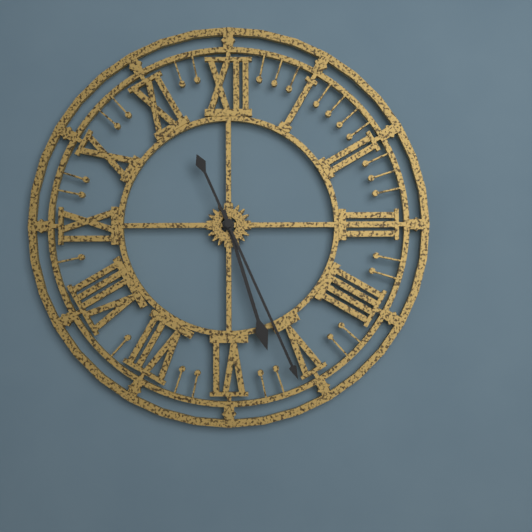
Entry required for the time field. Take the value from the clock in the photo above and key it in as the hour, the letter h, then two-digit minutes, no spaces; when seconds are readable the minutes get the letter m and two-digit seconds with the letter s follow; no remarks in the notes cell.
5h26
